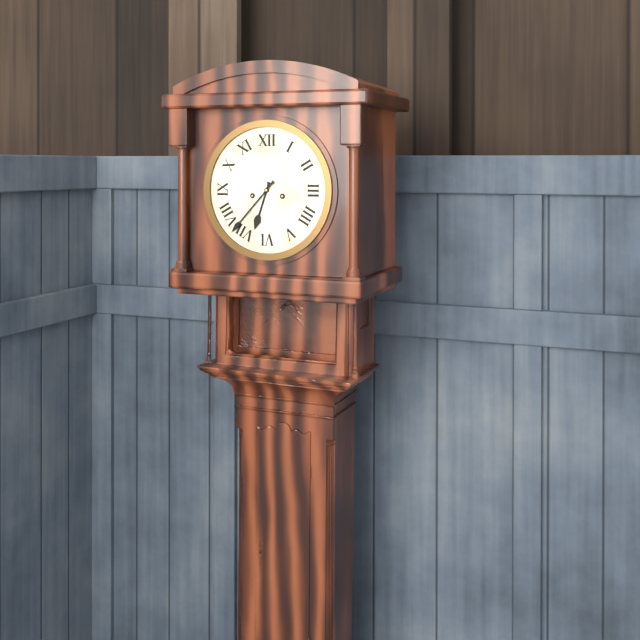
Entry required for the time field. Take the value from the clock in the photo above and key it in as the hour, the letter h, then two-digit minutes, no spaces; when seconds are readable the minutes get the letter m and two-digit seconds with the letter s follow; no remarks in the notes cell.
6h37
